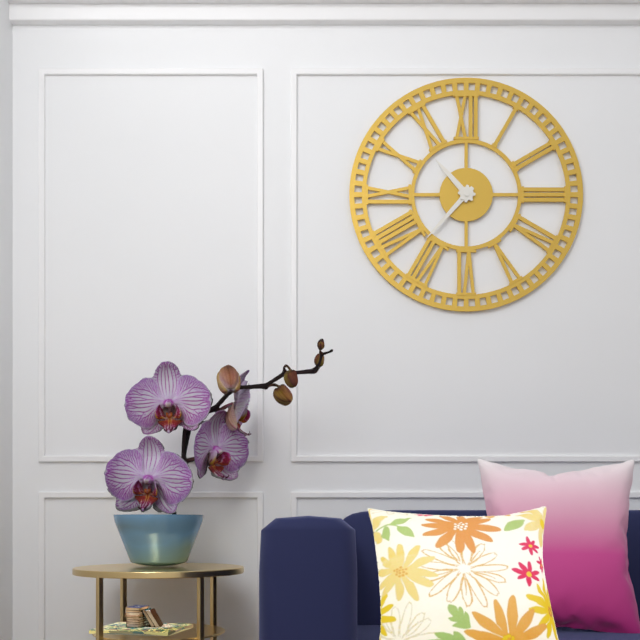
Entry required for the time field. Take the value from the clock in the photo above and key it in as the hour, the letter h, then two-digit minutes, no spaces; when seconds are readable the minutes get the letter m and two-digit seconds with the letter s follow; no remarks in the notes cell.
10h37
